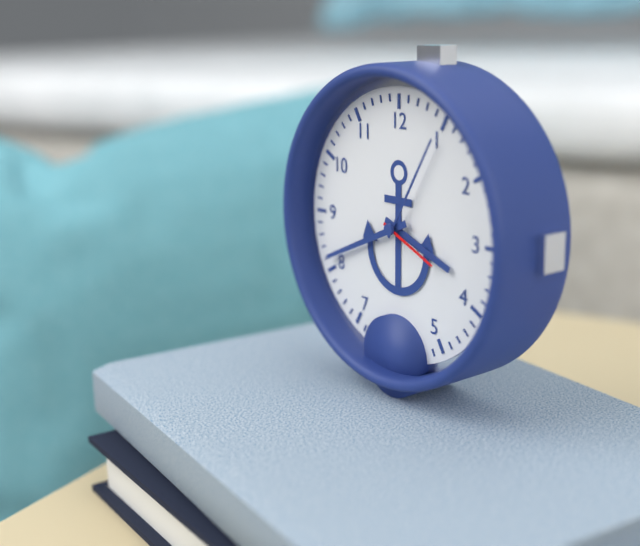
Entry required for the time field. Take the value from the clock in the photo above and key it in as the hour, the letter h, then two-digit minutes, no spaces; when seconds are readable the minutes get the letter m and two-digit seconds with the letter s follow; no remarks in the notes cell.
3h41m19s
